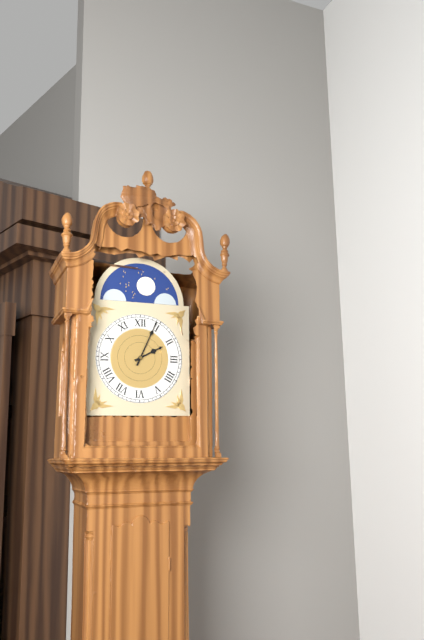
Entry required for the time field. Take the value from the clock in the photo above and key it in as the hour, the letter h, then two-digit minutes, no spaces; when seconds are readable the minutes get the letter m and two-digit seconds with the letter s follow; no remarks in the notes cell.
2h04
